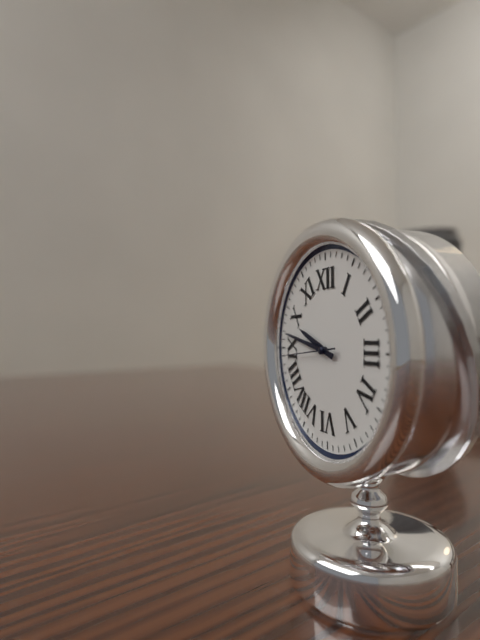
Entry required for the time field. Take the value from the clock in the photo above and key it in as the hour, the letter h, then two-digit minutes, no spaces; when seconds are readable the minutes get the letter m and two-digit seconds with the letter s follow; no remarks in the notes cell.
9h47m44s
